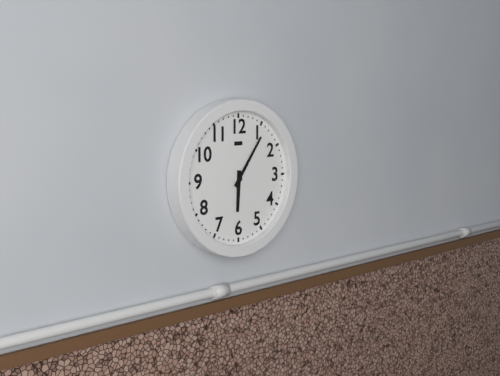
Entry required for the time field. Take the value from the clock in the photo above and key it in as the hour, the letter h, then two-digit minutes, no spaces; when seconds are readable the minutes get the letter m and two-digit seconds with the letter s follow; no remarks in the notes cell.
6h06
